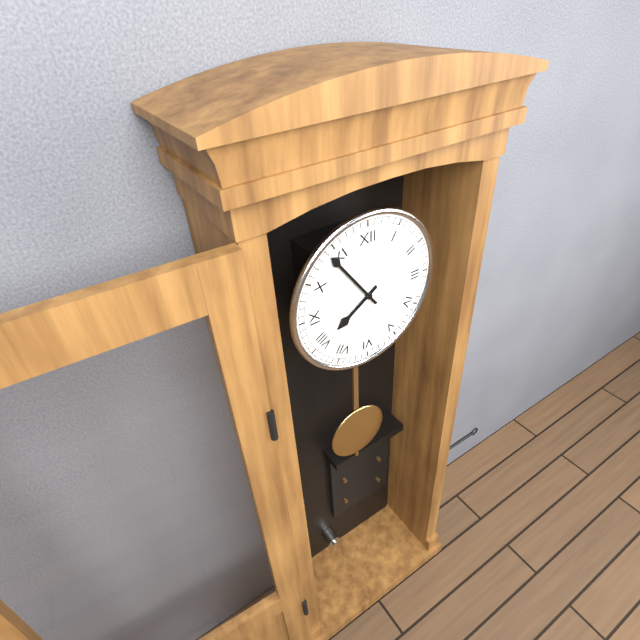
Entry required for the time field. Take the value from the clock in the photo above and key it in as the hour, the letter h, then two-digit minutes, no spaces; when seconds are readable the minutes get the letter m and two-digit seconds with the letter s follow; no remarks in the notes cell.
7h54
